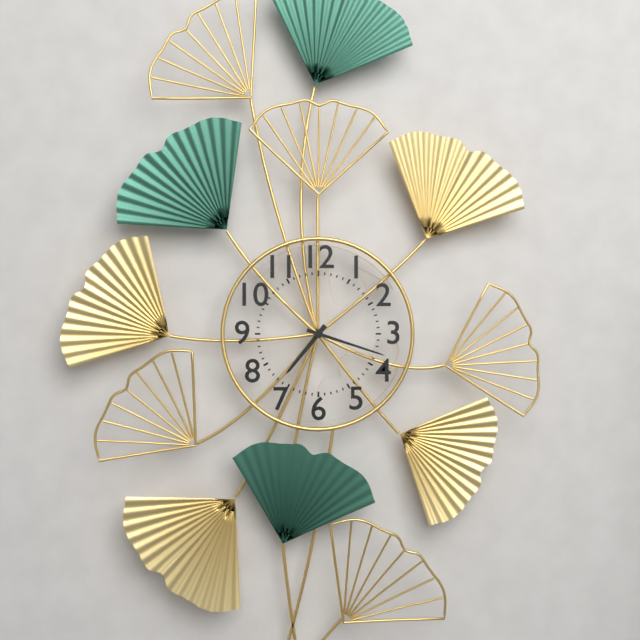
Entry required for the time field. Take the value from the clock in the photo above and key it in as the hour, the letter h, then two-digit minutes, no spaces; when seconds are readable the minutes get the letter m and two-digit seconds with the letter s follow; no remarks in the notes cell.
7h18
